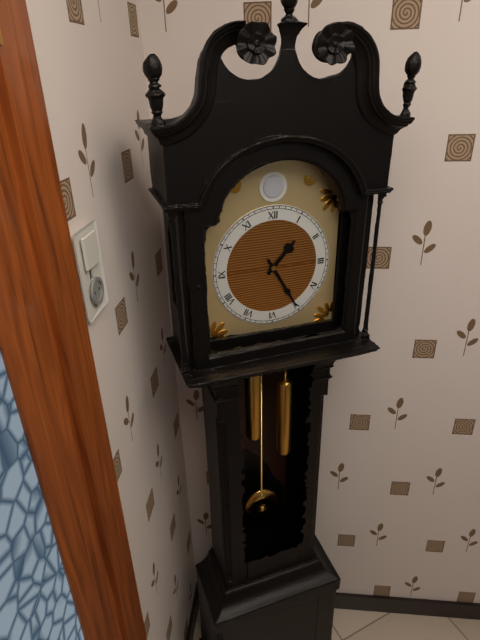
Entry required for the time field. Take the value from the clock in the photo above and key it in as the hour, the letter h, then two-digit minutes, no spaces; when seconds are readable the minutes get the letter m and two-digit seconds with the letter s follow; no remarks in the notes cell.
1h25
